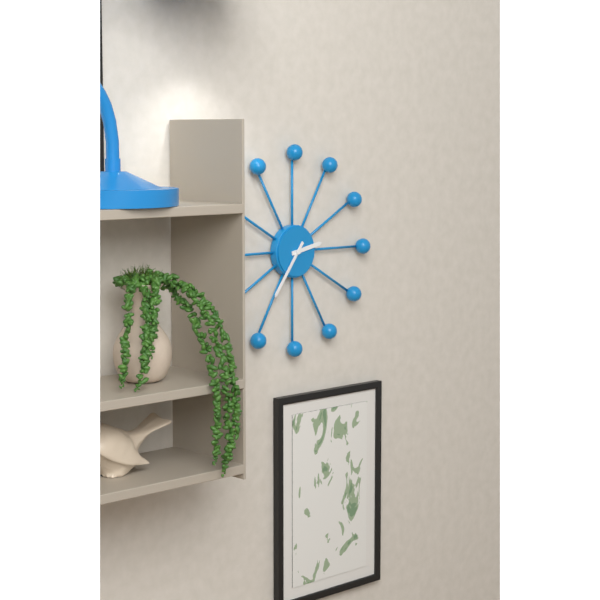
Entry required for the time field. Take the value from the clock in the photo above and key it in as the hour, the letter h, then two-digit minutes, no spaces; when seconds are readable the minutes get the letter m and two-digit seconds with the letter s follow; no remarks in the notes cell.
2h36
